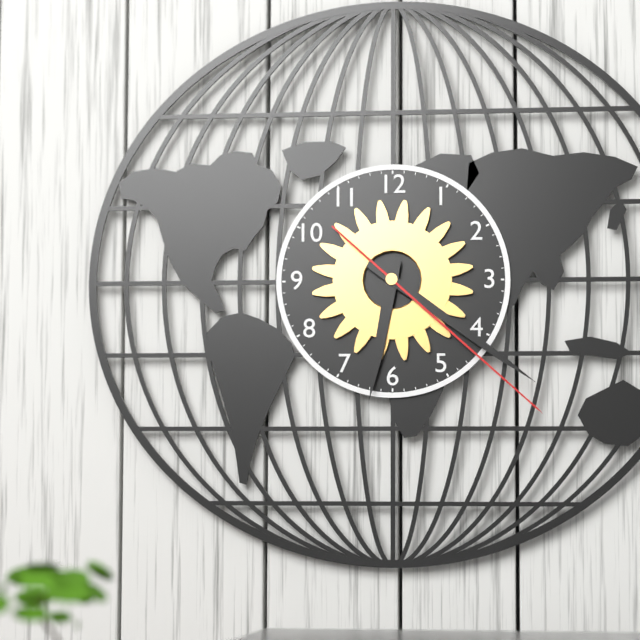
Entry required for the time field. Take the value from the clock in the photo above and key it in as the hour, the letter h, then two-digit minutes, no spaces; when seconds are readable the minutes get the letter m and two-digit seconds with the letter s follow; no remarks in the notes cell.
6h21m22s
